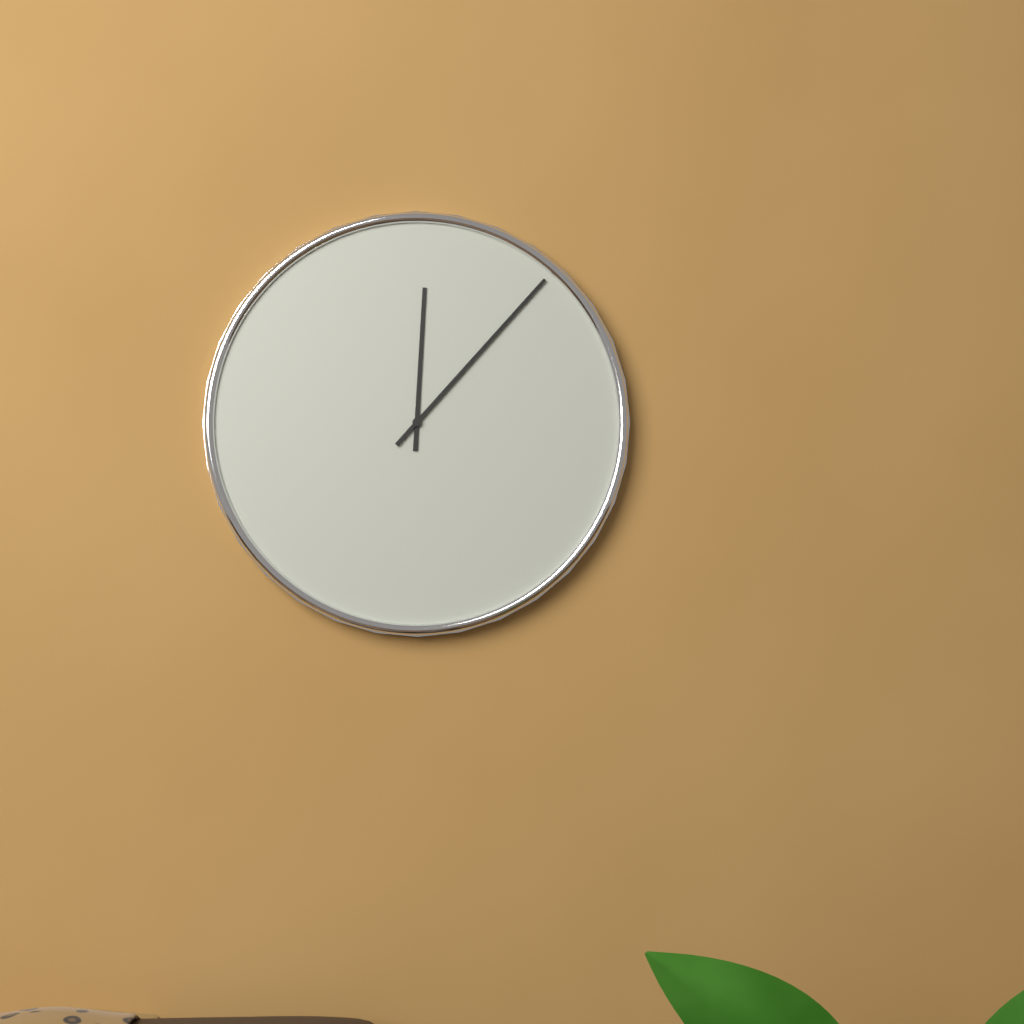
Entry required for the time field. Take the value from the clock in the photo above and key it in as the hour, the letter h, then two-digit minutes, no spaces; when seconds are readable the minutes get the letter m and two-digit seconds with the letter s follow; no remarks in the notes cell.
12h07
